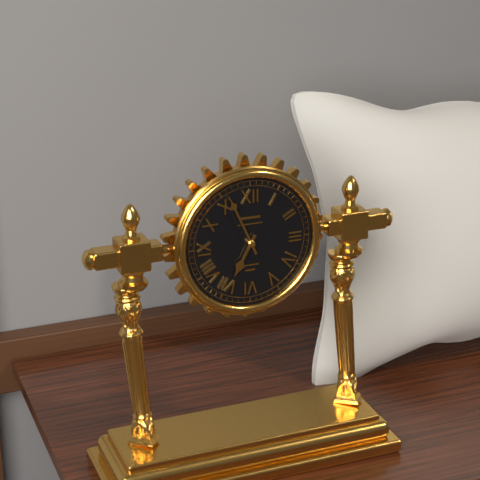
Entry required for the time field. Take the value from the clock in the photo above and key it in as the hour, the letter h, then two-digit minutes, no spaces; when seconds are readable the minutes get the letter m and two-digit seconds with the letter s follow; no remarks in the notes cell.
6h56
